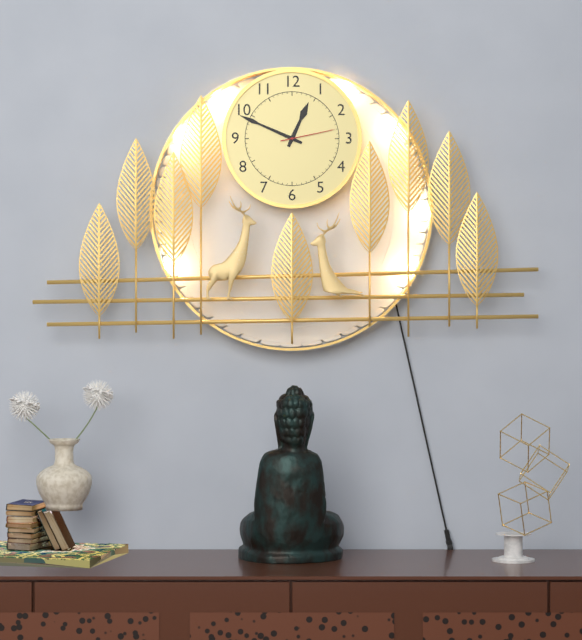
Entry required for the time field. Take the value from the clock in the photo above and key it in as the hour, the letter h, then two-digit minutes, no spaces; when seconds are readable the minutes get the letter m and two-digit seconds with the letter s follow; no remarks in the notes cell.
12h49m13s
